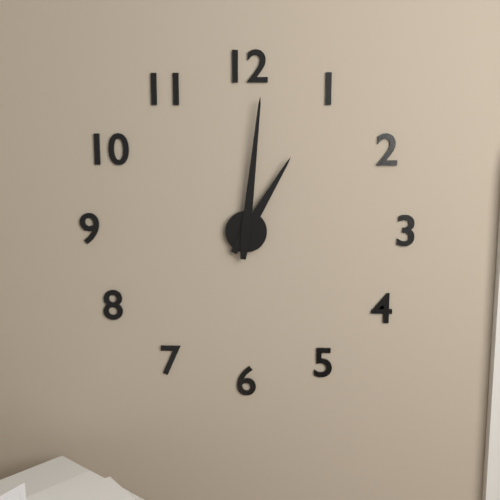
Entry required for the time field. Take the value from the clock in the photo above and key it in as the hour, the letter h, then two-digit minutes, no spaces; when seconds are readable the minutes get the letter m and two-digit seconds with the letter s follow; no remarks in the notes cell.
1h01
